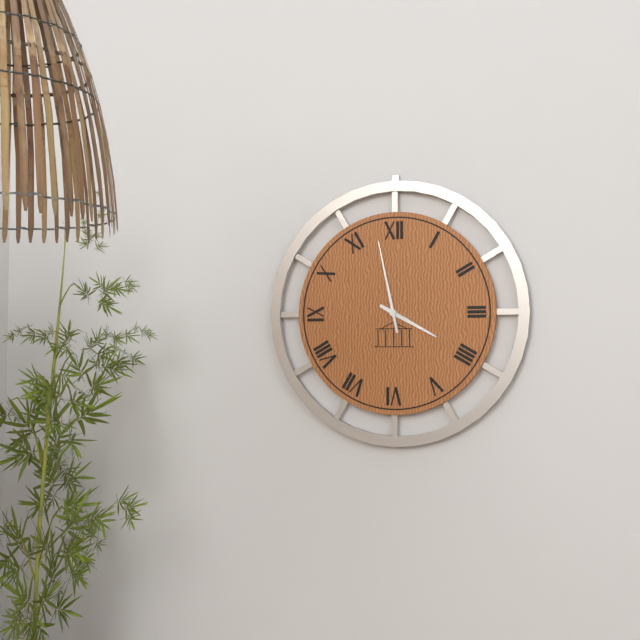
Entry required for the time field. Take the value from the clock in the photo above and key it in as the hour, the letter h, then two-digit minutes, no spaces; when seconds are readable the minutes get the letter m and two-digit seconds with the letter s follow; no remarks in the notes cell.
3h58
